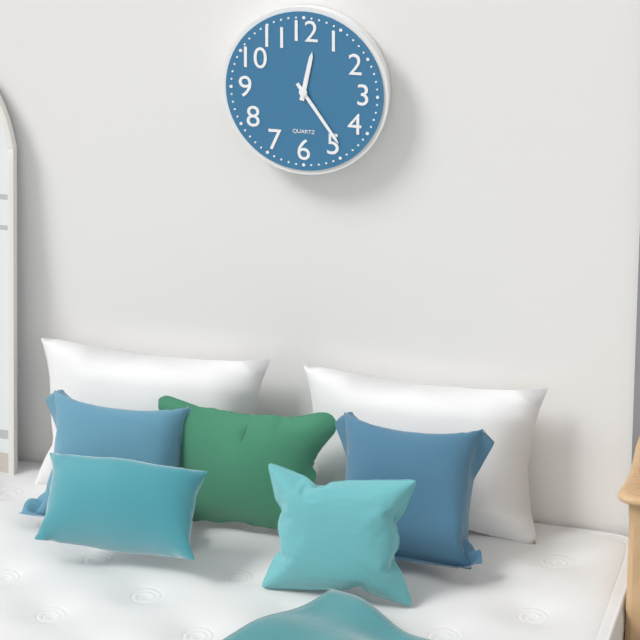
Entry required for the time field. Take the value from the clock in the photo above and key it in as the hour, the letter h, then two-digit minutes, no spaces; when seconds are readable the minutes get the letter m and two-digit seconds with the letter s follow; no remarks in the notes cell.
12h24
